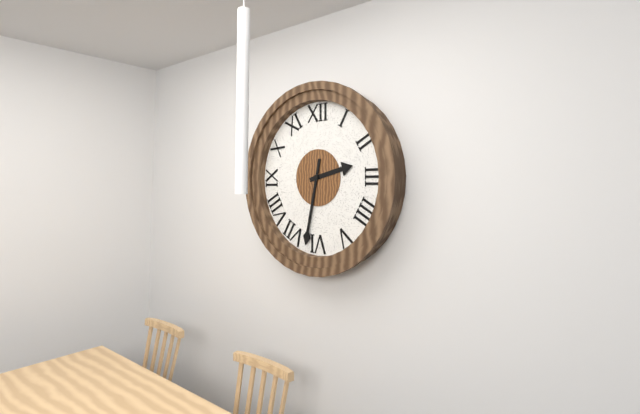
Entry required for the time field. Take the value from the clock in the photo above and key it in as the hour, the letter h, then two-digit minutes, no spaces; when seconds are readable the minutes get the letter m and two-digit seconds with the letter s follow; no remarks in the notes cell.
2h32
